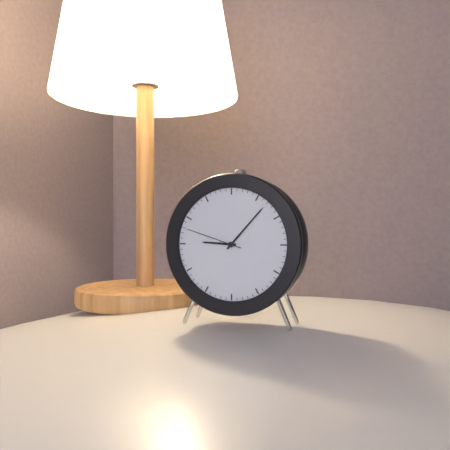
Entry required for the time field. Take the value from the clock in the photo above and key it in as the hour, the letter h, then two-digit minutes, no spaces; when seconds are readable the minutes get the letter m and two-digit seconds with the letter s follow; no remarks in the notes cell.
9h07m48s
